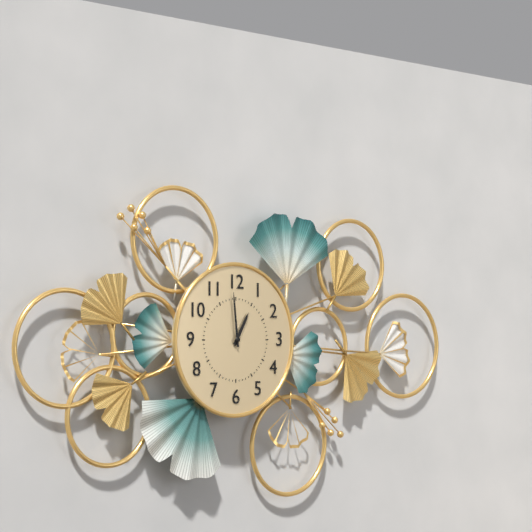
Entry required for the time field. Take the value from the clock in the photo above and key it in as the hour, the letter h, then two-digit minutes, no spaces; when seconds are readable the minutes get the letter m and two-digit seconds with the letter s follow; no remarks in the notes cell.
12h59
